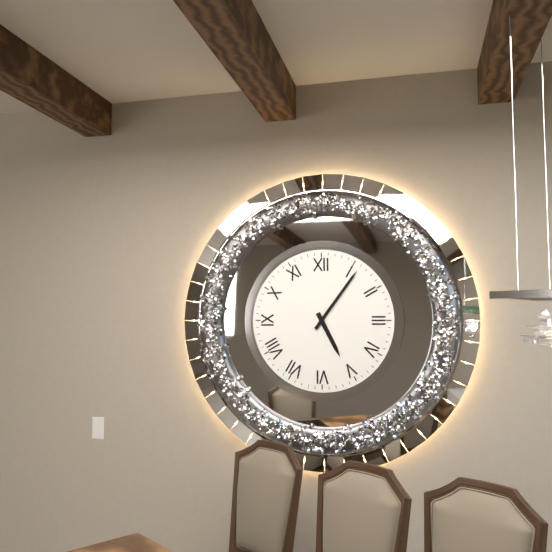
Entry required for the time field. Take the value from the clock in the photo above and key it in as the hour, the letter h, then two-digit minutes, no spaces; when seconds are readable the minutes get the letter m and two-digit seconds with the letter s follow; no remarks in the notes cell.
5h06
